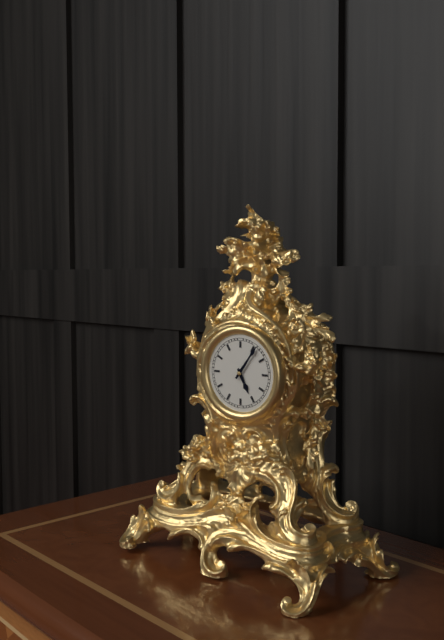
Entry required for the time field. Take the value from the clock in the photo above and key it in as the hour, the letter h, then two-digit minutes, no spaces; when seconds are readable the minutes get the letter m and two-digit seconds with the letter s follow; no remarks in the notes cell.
5h06
